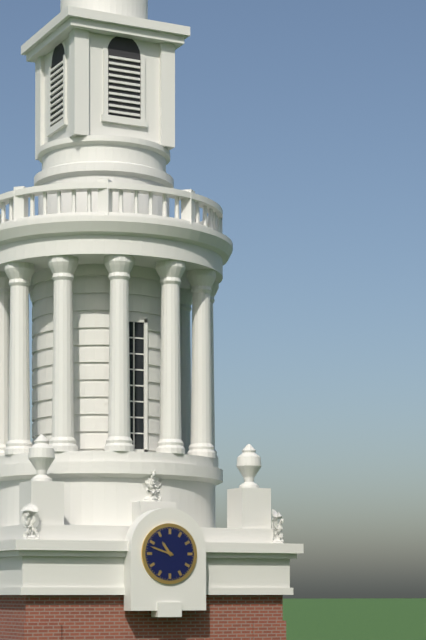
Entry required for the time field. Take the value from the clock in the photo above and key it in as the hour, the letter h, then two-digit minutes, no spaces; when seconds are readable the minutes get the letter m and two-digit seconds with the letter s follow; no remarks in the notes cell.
10h48
